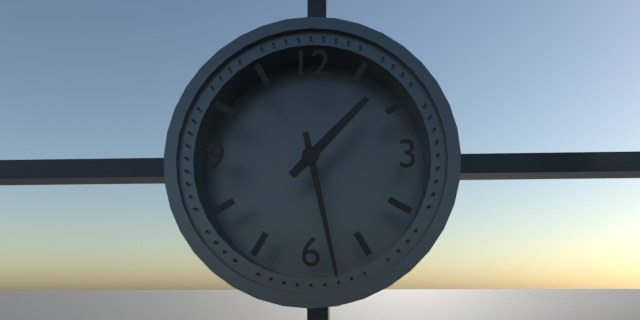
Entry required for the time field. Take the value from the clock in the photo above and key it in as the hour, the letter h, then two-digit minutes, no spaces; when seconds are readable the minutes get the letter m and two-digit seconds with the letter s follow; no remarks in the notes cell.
1h28
